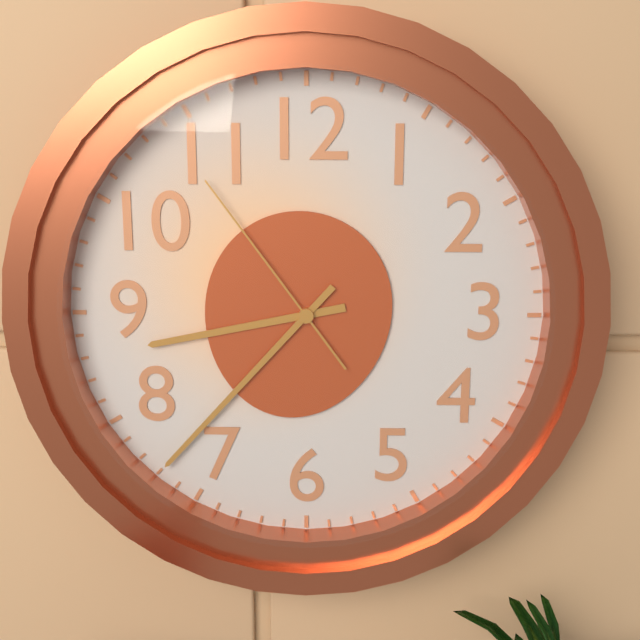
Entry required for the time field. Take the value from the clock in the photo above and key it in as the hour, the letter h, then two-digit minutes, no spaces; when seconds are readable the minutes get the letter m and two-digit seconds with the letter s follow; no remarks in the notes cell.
8h37m54s
